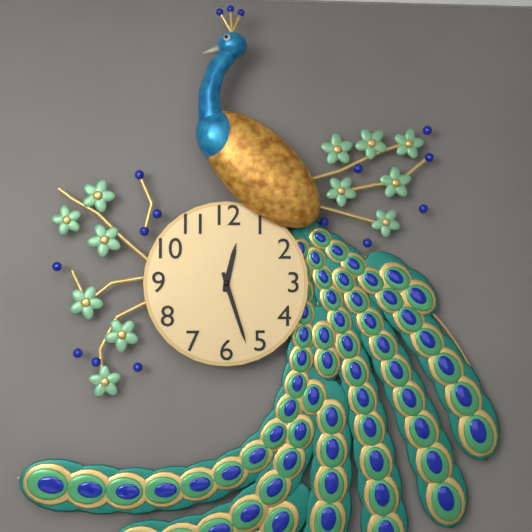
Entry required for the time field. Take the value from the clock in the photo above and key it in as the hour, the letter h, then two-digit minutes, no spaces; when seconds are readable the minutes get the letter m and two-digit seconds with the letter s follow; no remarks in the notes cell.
12h27
